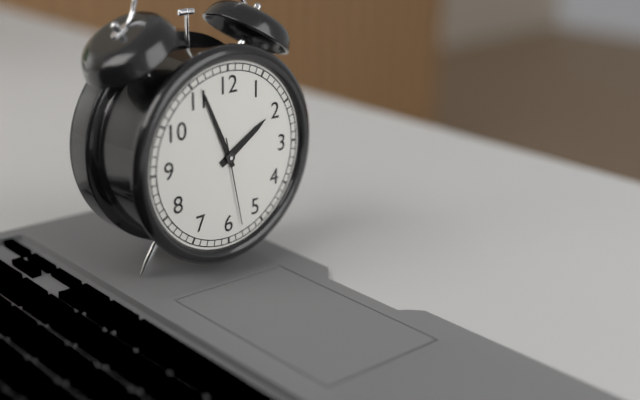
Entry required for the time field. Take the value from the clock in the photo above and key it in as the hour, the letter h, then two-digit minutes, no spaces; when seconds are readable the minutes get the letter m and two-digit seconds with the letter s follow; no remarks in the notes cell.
1h56m28s
